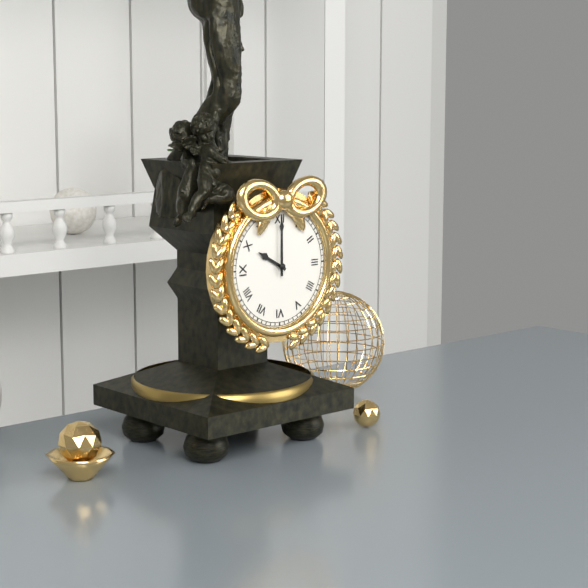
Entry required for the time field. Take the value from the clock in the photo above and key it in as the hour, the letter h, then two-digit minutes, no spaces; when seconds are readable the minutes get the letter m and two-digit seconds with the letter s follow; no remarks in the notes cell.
10h00
